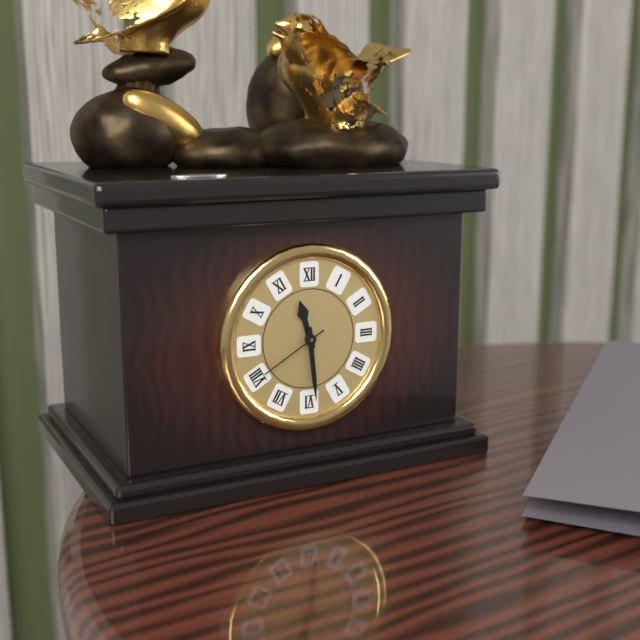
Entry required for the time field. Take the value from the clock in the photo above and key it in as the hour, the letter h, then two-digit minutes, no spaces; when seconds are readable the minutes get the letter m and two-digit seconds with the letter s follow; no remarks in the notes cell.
11h29m40s
